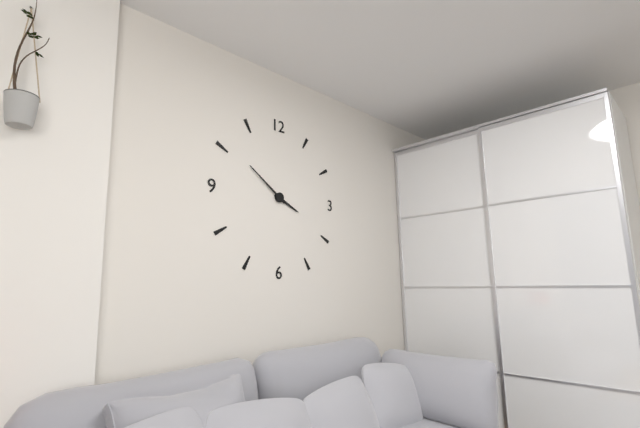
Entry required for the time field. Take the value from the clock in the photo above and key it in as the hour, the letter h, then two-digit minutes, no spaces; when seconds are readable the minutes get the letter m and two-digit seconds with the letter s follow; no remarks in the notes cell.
3h51
